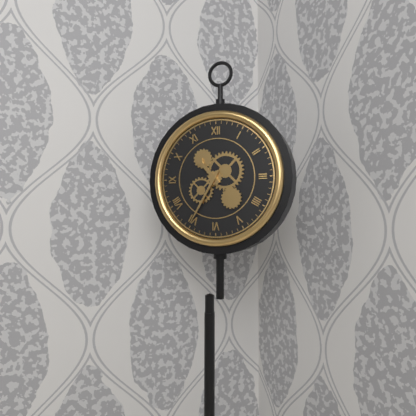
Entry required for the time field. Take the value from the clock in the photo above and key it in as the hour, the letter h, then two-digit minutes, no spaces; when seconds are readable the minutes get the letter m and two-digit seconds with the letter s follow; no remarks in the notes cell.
10h35
